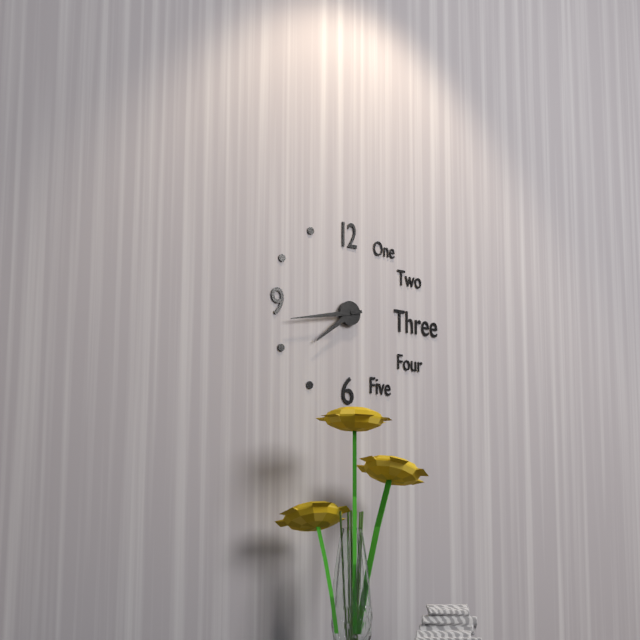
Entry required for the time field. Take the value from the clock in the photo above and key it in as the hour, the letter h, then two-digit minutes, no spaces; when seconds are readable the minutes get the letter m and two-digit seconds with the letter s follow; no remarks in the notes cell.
7h43
